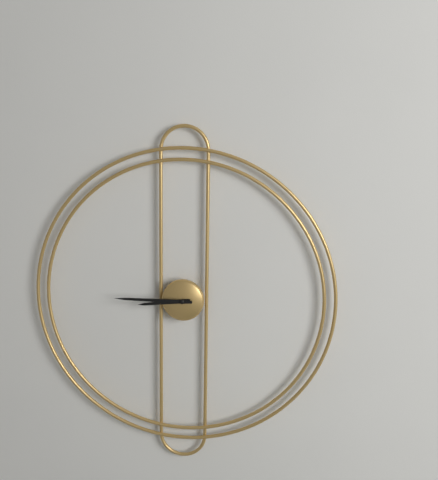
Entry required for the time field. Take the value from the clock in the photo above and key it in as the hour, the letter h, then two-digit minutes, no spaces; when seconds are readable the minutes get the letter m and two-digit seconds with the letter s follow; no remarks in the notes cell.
8h45
